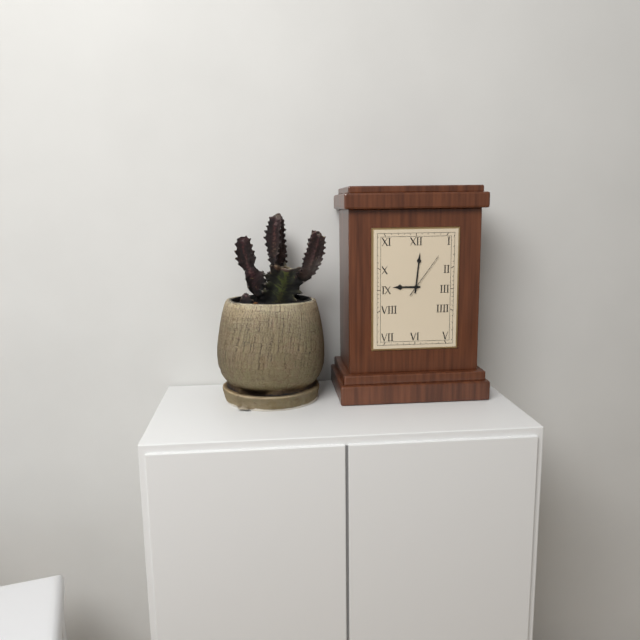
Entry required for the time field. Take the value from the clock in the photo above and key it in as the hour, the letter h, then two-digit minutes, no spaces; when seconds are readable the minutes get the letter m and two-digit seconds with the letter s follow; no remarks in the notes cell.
9h01m06s
